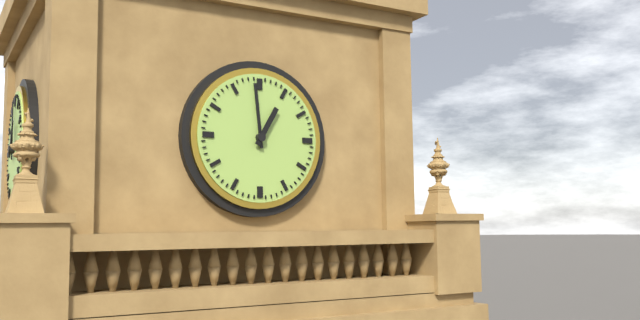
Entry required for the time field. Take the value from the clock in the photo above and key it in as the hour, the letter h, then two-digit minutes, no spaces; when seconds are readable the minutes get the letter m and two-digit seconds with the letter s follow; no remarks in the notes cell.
12h59
